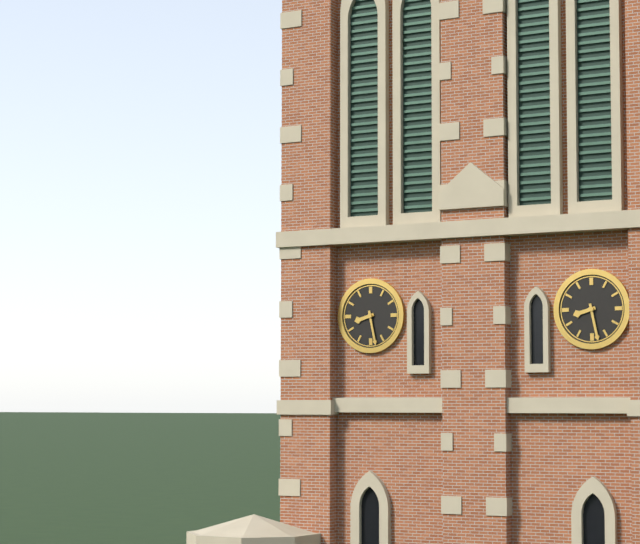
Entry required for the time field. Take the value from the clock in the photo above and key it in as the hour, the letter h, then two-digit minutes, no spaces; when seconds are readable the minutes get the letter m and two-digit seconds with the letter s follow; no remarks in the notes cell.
8h28
